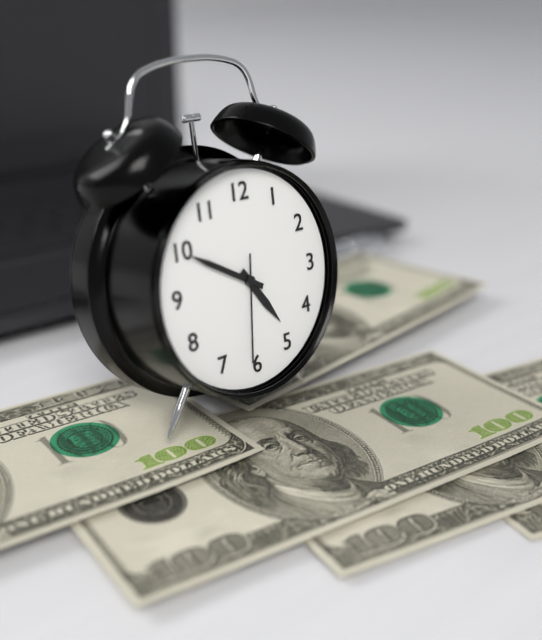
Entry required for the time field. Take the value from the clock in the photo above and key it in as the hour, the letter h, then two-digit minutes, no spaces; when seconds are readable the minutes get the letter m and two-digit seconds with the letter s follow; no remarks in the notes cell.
4h50m31s
